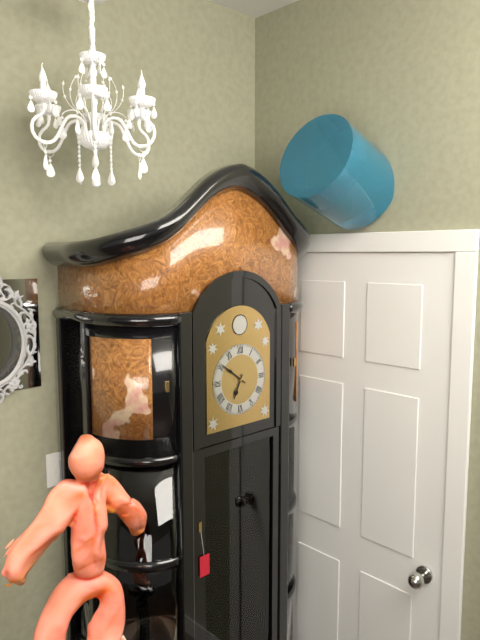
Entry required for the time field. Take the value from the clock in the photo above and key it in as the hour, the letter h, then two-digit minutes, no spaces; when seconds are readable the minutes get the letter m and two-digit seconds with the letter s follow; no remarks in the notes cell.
6h51
